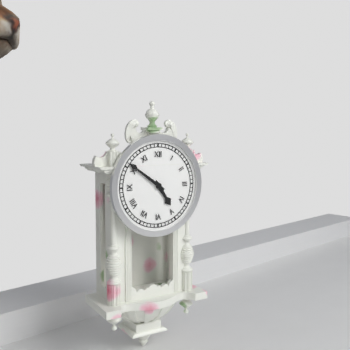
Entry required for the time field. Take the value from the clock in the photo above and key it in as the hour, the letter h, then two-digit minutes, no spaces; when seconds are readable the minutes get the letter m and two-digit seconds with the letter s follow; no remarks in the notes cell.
4h51
